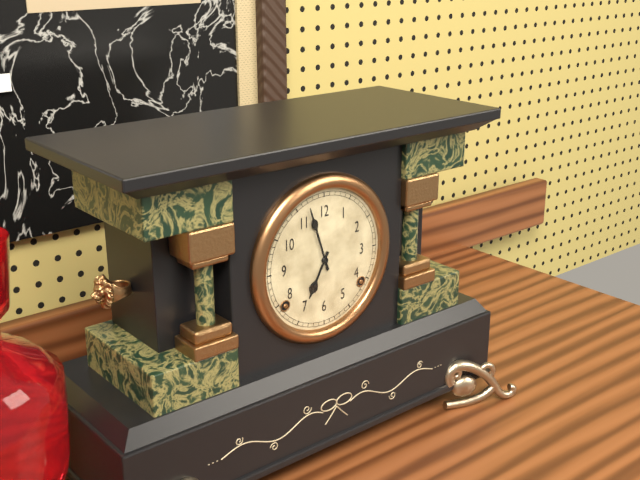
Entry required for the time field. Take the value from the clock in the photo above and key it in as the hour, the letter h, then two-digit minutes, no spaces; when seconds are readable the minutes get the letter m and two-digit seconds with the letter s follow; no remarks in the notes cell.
6h57
